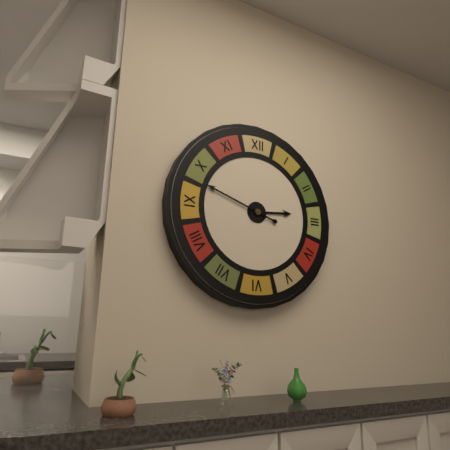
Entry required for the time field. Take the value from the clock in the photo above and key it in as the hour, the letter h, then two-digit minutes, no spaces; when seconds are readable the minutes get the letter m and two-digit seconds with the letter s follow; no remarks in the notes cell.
2h48
